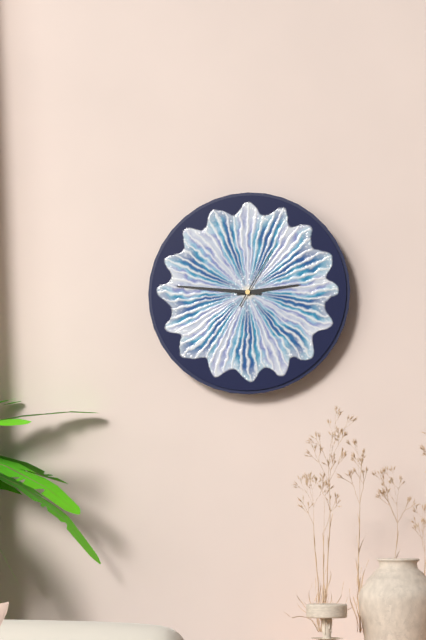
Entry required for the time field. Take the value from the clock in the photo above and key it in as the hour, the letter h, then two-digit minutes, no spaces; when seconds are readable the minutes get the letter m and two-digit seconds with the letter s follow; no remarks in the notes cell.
2h46m05s
